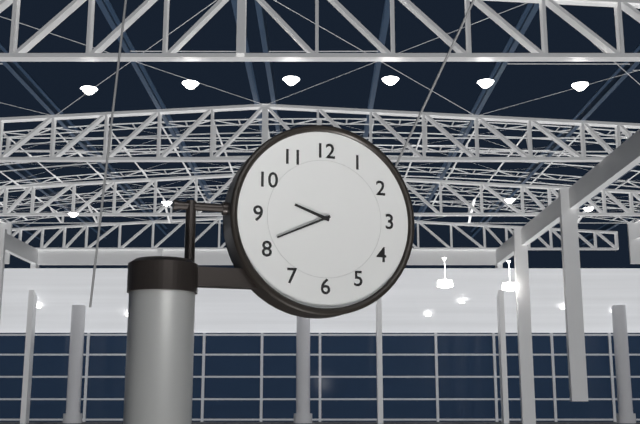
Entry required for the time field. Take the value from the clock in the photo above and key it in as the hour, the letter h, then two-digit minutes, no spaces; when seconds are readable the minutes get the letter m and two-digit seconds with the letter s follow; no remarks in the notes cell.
9h41
